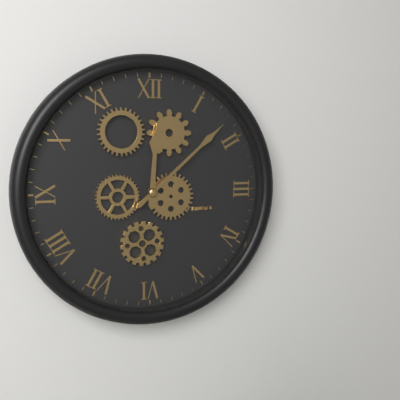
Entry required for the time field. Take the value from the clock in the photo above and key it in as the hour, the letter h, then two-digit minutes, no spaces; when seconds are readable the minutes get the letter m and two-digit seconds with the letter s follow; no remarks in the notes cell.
12h08
